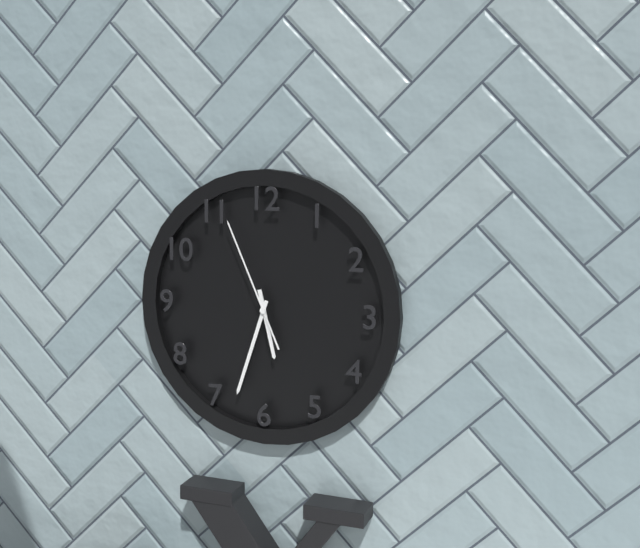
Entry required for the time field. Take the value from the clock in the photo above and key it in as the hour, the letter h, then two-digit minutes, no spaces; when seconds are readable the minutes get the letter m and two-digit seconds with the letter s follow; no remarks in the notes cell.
5h33m56s
